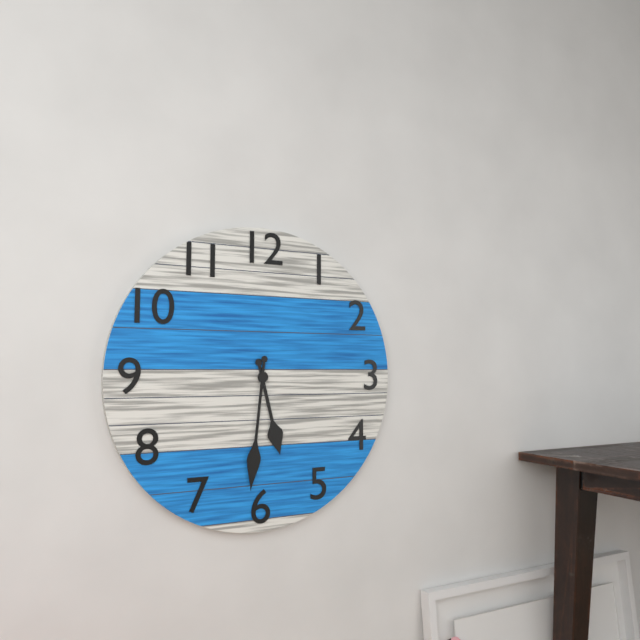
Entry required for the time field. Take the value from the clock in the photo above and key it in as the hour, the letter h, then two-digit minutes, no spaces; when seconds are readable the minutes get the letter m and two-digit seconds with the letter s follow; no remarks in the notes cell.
5h31
